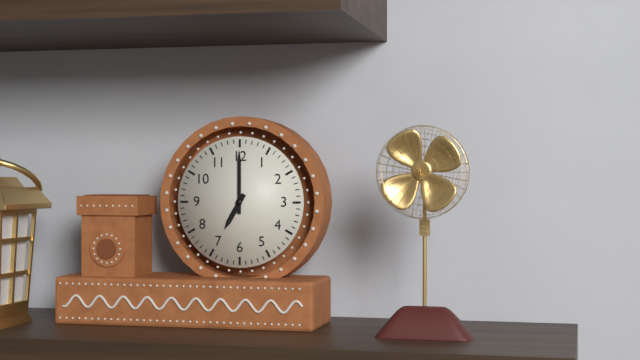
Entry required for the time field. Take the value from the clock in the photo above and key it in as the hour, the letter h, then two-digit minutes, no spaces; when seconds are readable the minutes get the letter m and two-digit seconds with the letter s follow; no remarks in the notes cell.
7h00
